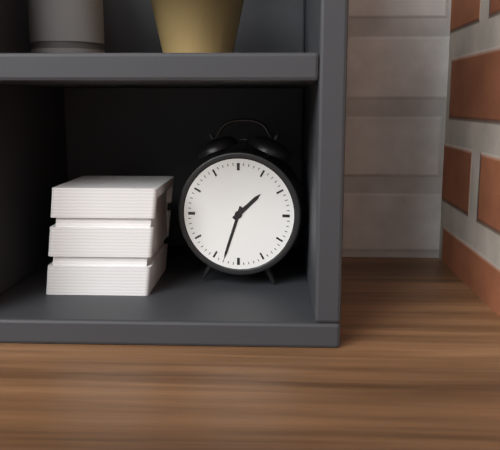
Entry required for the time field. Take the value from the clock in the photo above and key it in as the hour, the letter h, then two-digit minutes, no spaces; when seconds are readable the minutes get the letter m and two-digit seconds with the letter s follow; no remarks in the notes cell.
1h33
